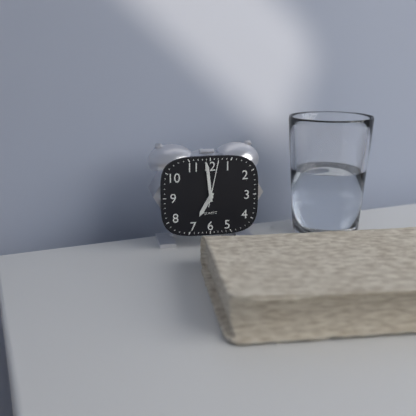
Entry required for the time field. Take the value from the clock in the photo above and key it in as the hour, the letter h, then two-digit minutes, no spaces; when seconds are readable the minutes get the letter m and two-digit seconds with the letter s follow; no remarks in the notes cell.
6h59
